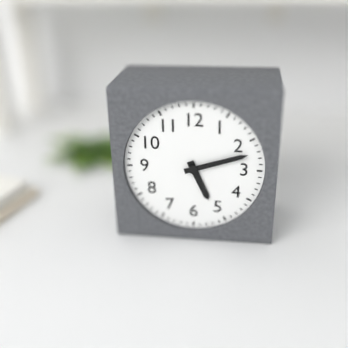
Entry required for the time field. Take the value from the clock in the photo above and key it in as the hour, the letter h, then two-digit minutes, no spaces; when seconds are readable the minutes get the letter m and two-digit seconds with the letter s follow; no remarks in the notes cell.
5h12
